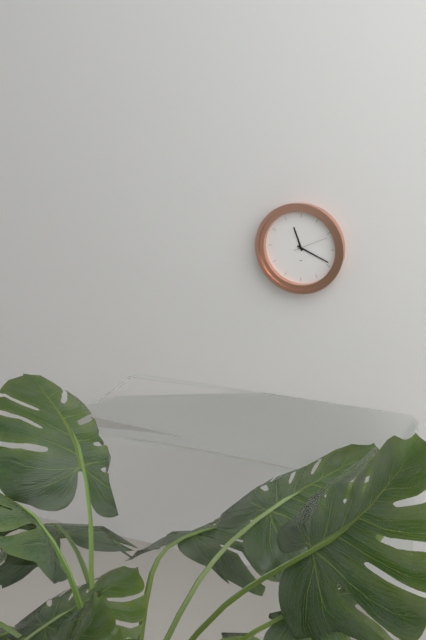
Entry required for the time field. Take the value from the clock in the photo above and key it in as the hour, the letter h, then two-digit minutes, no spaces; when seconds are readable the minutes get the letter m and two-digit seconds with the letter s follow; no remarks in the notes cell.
11h19
